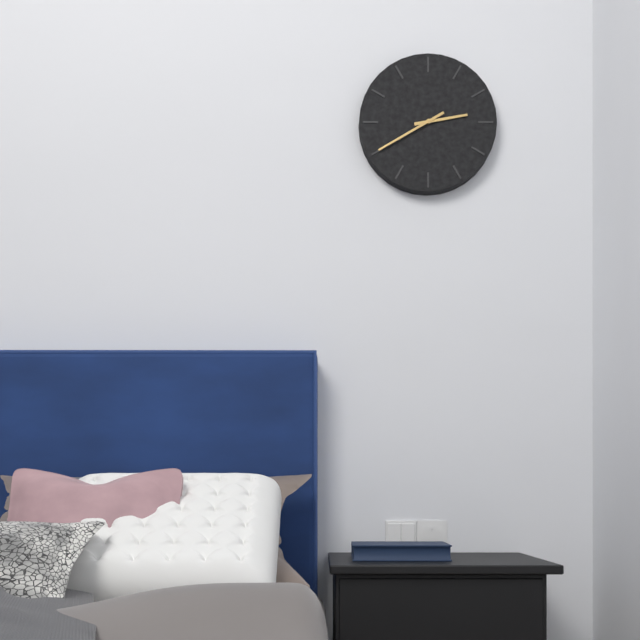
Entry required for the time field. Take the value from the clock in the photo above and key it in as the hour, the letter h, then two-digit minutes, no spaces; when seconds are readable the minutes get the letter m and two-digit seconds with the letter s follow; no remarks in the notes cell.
2h40
